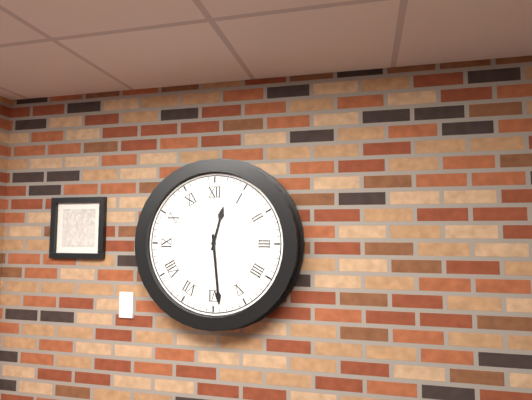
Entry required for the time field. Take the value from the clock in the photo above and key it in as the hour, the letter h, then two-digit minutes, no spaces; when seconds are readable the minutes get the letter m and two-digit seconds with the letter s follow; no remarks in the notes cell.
12h29
